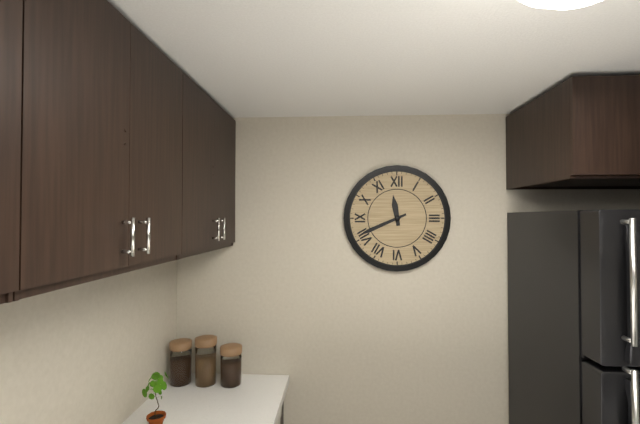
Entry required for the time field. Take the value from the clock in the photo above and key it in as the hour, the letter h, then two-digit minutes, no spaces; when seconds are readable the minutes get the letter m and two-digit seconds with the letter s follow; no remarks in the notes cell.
11h41
